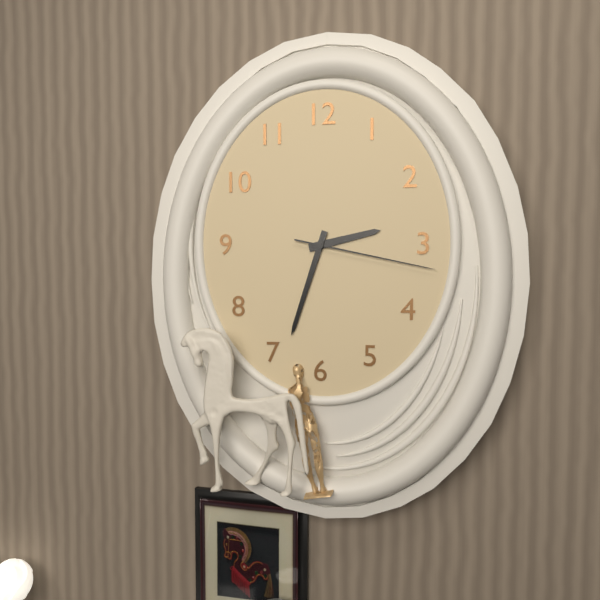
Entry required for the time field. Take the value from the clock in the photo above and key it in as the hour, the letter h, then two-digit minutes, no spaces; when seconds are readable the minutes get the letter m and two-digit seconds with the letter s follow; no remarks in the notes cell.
2h33m17s
